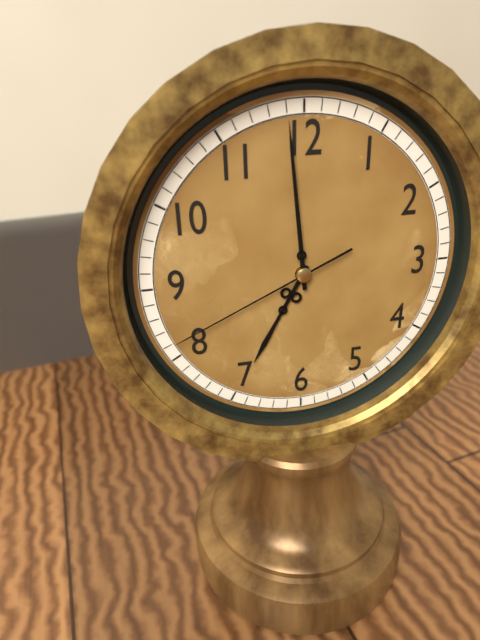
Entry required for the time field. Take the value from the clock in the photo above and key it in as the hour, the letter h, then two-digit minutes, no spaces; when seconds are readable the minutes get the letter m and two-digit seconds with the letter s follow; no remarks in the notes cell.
6h59m41s
